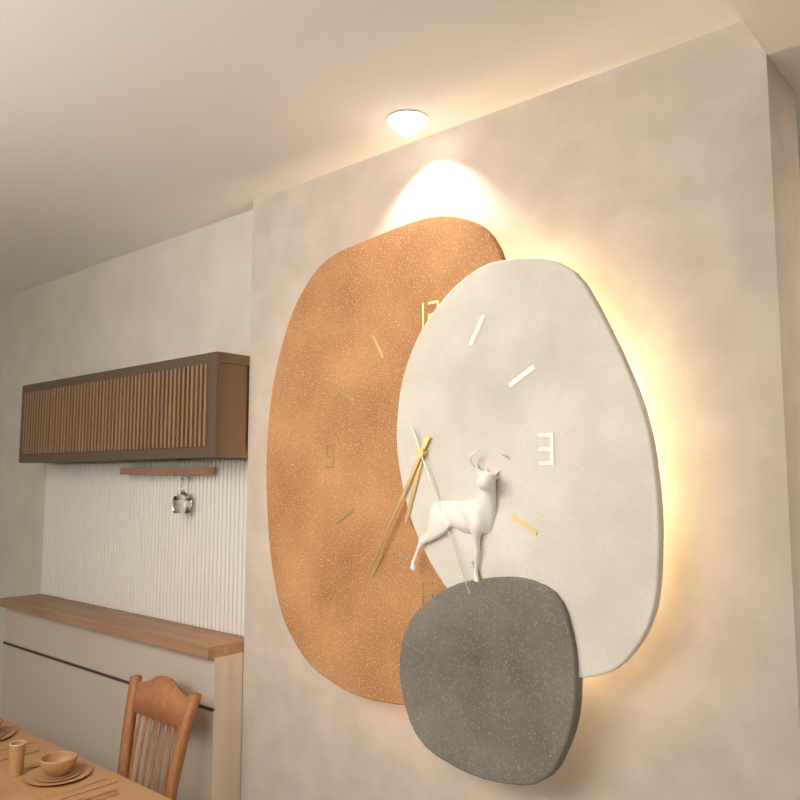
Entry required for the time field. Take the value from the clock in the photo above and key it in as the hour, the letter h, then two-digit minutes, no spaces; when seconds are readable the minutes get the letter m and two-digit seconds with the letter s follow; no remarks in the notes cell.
6h35m26s
